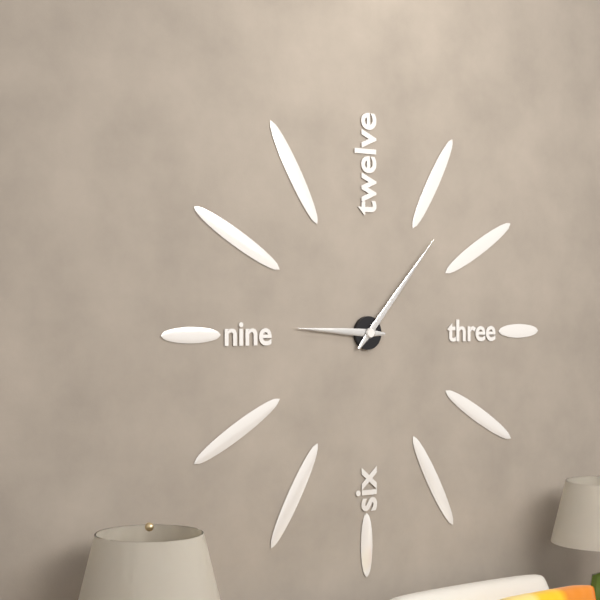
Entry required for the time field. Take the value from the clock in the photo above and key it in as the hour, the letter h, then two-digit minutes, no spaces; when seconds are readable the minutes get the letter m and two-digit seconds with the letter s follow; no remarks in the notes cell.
9h07
